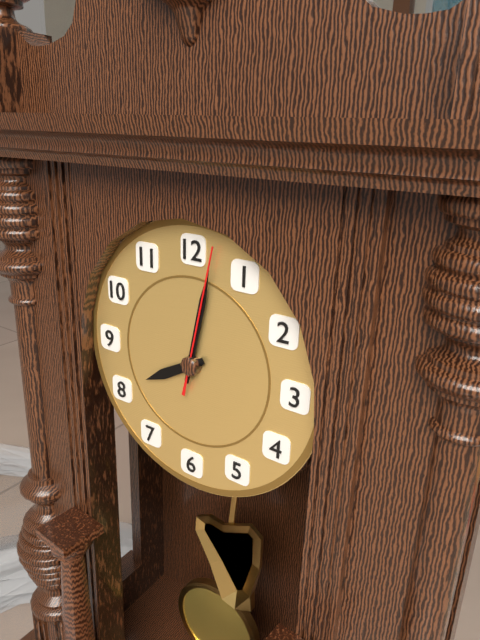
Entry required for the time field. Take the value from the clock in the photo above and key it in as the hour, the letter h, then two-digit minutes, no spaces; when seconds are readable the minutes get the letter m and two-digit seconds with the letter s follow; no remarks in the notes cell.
8h02m02s
